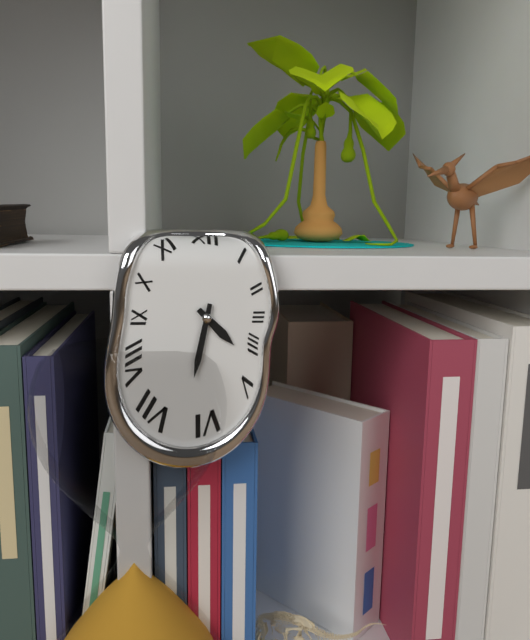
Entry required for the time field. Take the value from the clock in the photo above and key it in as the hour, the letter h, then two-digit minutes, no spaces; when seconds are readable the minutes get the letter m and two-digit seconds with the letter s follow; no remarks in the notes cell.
4h32
